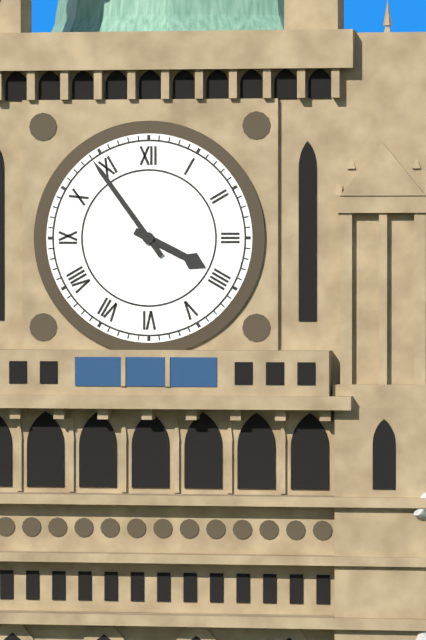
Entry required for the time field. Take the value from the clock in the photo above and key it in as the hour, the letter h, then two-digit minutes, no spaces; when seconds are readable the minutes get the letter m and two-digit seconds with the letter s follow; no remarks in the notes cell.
3h54
